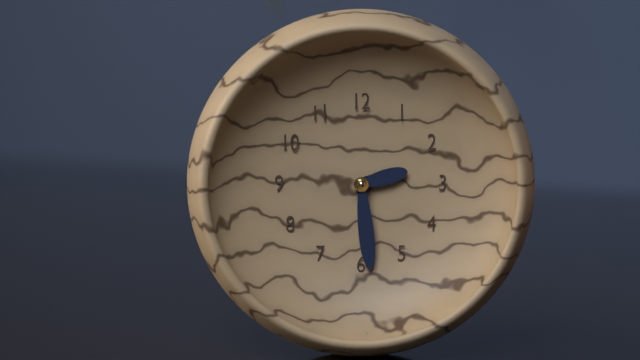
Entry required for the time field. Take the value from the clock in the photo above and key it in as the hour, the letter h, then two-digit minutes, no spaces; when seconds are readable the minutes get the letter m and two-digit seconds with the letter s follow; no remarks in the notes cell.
2h29
